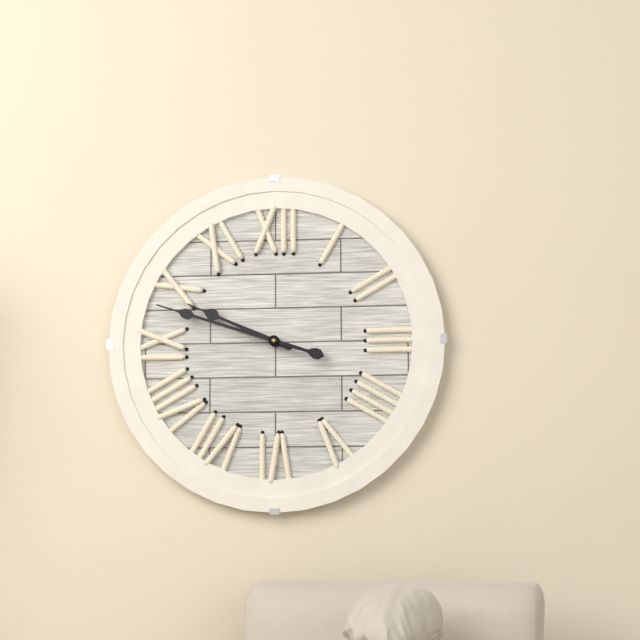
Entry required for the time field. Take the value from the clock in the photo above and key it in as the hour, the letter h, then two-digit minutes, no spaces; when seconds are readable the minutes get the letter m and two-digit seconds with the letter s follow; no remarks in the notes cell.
9h48
